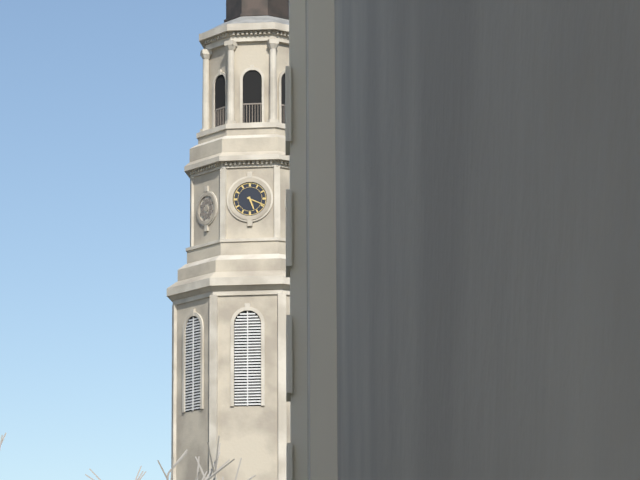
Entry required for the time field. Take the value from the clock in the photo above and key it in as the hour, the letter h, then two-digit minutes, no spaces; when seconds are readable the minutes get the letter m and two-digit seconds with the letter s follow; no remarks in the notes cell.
5h19
